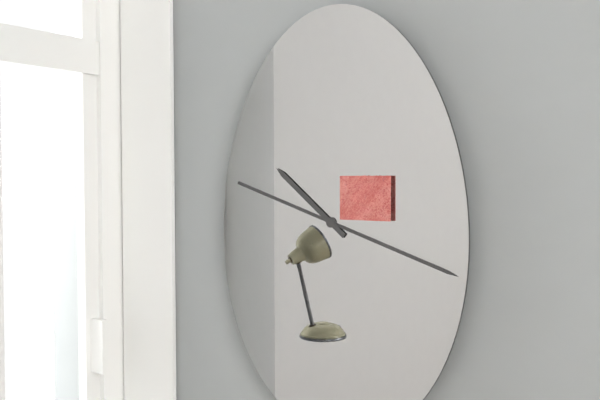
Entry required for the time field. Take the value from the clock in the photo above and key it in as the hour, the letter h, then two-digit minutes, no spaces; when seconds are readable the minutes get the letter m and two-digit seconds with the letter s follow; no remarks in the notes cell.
10h18
